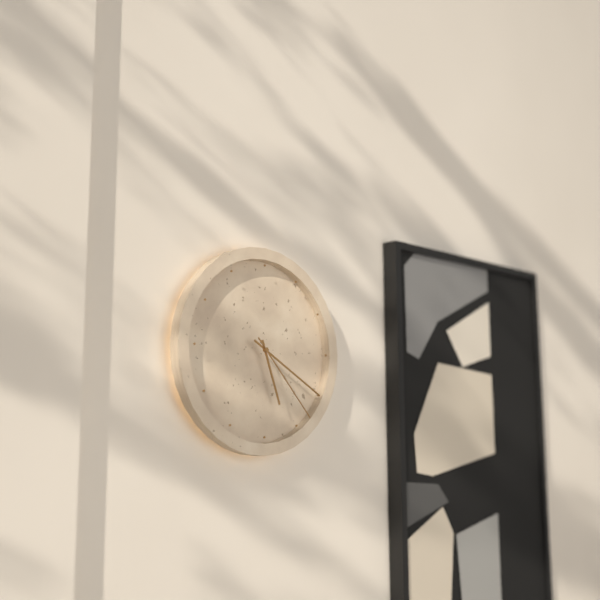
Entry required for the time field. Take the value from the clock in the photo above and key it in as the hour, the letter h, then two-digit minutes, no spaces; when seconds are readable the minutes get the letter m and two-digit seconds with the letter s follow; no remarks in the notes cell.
5h20m23s
